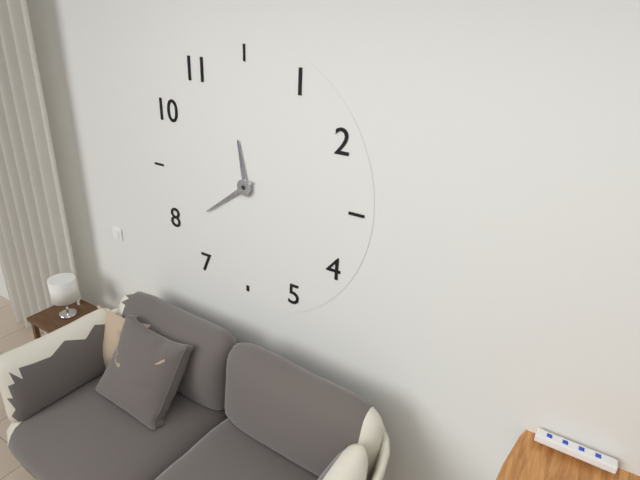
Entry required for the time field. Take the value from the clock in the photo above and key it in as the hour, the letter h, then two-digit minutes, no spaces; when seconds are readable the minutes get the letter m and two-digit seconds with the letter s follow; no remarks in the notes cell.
11h39
